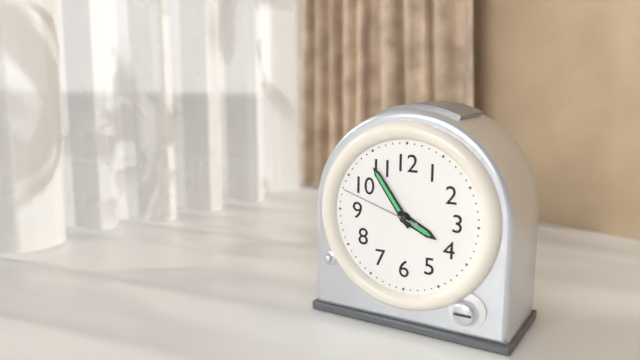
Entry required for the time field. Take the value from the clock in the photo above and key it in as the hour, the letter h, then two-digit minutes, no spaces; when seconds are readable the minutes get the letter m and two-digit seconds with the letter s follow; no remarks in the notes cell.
3h54m48s
